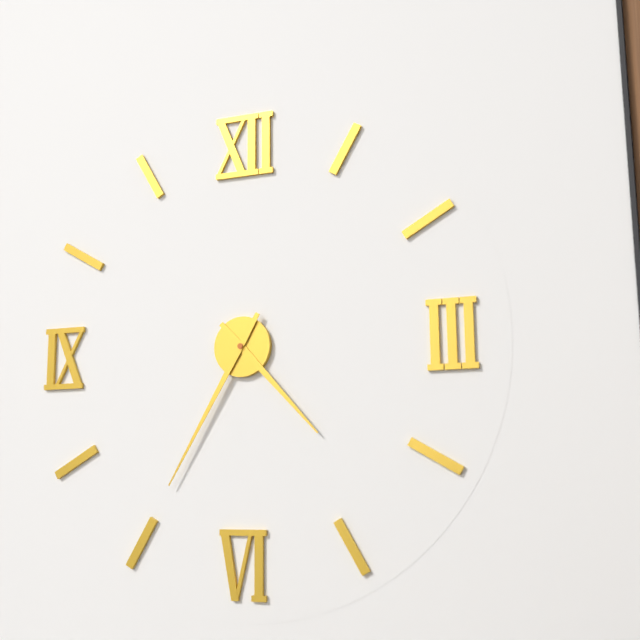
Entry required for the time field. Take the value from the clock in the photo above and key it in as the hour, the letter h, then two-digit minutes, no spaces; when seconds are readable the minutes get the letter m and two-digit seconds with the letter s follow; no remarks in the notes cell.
4h35
